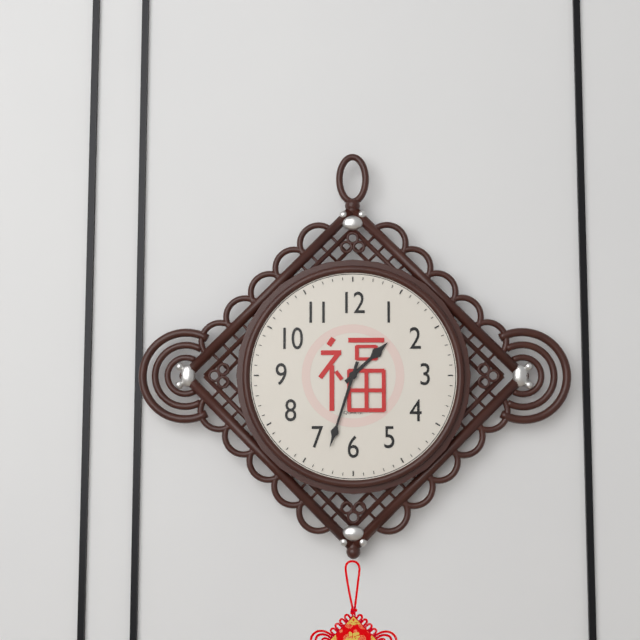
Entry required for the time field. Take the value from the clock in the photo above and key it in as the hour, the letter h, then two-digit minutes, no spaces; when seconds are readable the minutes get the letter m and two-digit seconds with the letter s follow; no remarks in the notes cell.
1h33
